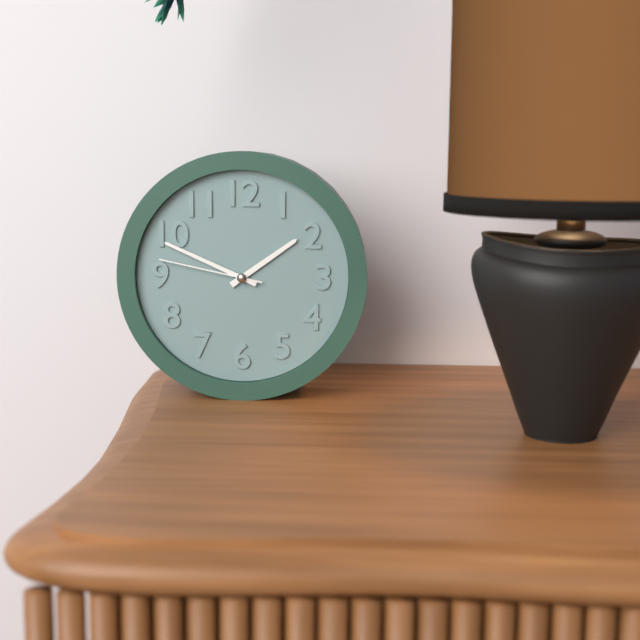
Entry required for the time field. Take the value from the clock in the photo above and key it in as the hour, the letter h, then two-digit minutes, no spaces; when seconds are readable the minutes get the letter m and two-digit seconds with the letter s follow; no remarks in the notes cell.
1h49m47s
